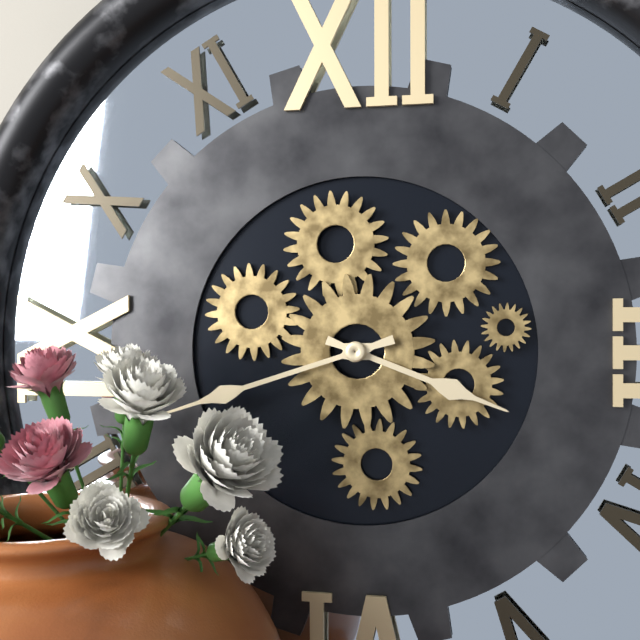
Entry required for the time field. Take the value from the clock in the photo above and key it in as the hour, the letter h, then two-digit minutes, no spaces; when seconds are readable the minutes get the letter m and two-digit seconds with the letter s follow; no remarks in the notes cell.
3h42
